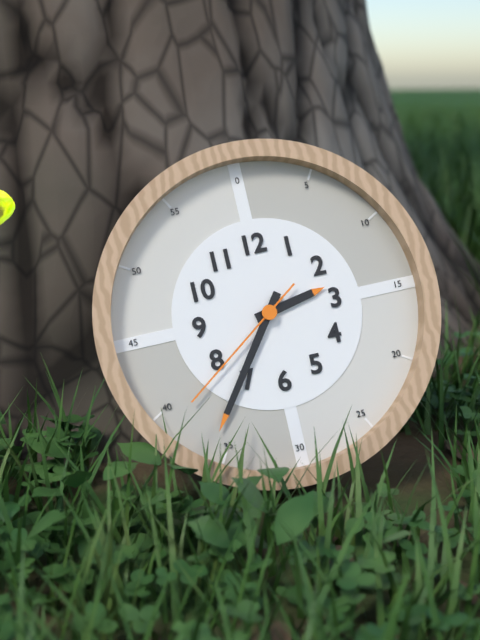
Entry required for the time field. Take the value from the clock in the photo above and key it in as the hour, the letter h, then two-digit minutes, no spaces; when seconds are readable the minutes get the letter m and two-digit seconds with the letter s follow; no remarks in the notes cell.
2h36m39s
